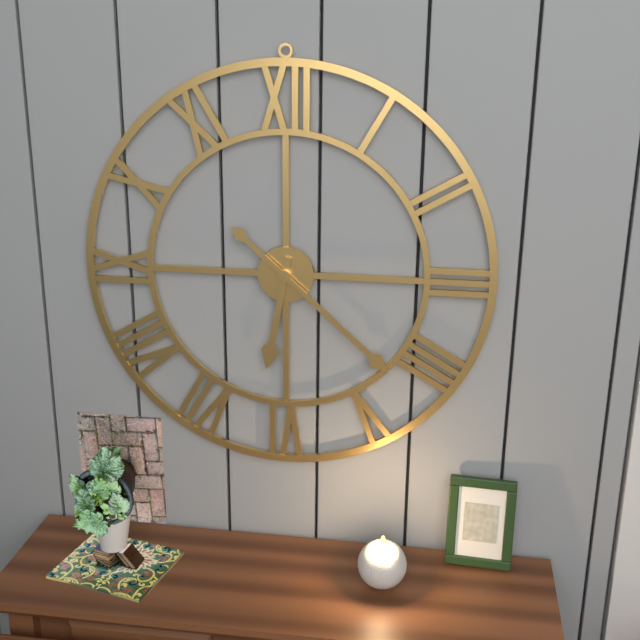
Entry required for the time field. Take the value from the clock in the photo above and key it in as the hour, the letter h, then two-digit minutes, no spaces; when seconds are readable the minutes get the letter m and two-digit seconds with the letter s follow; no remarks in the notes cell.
6h22
